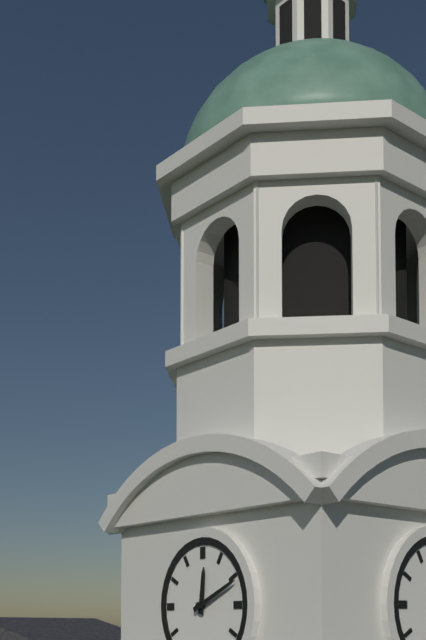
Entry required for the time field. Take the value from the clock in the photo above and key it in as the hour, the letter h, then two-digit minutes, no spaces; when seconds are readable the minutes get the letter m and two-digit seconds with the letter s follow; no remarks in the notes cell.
12h11
